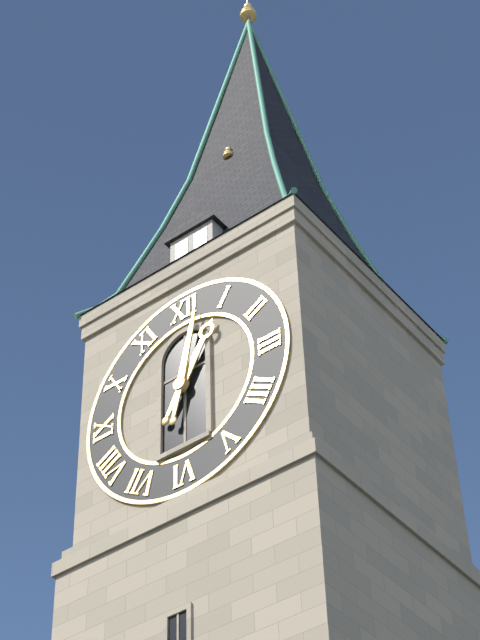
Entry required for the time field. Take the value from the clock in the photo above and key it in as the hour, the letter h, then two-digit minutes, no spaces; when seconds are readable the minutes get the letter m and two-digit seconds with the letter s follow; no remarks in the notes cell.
1h02
